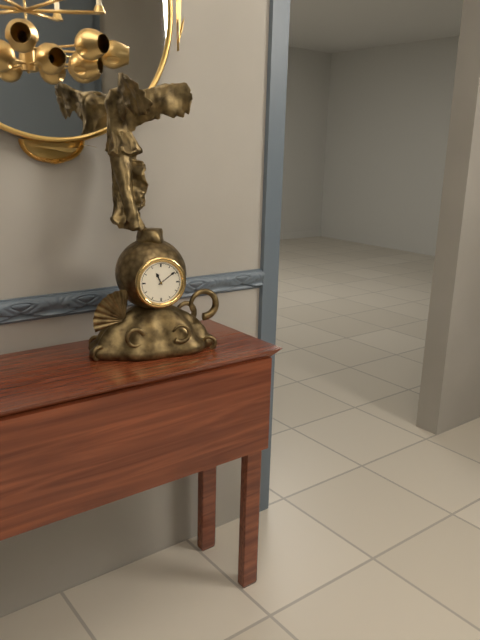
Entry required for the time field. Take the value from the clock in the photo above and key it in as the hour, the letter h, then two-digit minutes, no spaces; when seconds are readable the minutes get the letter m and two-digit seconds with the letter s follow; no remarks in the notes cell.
11h09
